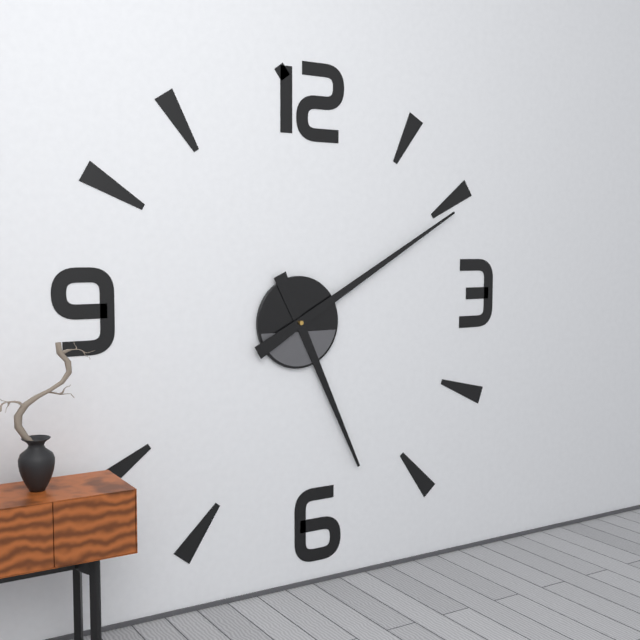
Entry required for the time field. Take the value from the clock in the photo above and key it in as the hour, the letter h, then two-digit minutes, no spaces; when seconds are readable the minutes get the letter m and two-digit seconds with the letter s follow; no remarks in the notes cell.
5h10
